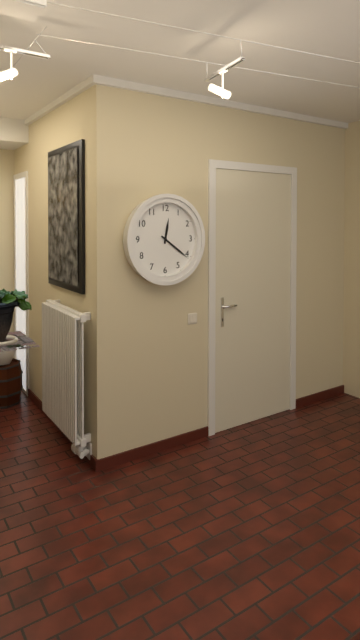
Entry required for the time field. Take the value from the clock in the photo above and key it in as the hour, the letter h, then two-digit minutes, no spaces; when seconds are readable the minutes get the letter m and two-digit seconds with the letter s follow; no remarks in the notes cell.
12h21
